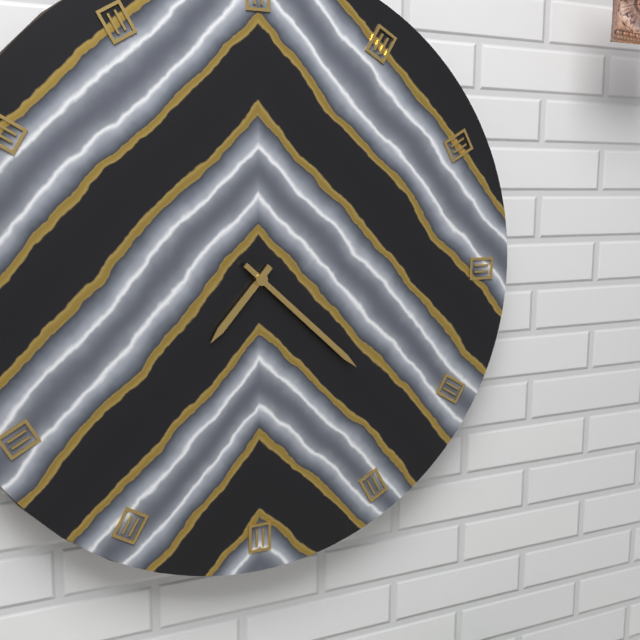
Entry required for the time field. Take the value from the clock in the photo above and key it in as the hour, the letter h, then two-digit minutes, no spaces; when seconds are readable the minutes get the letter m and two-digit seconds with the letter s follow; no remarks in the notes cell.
7h22
